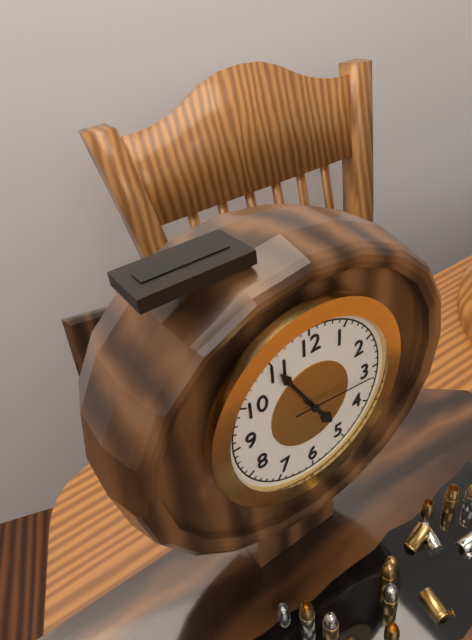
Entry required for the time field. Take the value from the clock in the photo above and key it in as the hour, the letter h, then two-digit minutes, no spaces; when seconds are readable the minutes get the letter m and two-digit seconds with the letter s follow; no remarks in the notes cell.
4h55m16s
